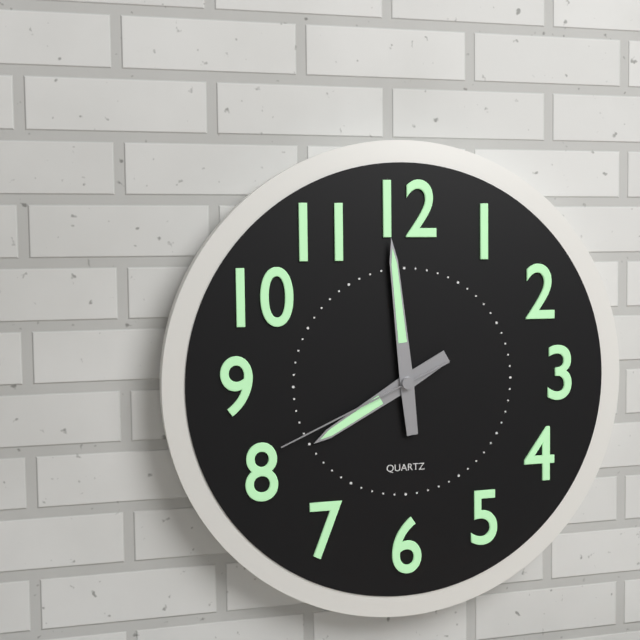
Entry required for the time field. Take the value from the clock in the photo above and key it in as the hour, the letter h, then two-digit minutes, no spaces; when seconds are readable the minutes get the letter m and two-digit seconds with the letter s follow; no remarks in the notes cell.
7h59m41s
